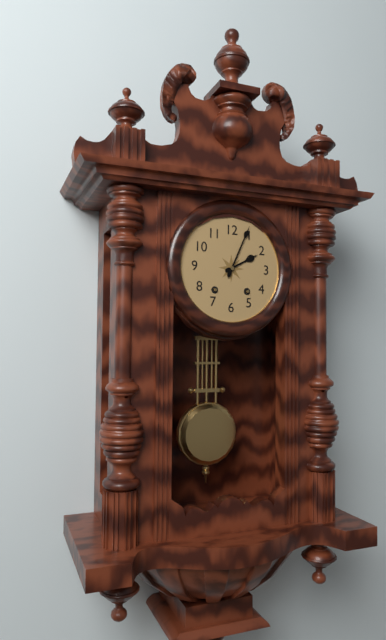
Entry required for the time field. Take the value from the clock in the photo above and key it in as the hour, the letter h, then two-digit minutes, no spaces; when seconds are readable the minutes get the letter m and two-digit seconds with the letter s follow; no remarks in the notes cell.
2h04
